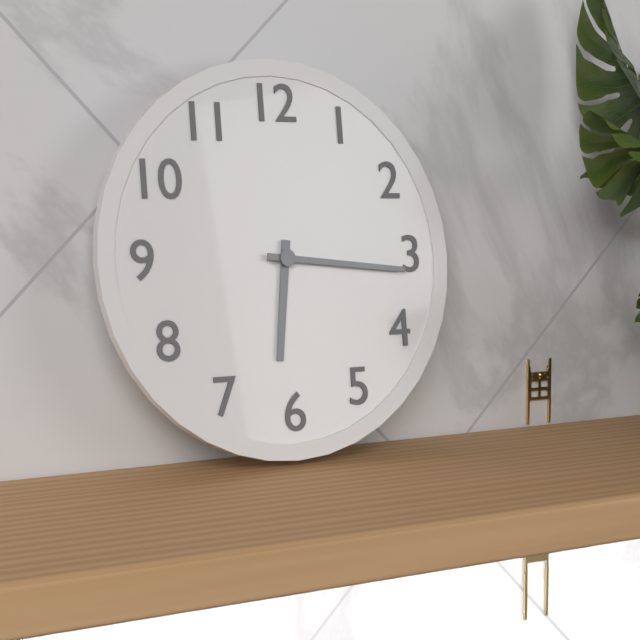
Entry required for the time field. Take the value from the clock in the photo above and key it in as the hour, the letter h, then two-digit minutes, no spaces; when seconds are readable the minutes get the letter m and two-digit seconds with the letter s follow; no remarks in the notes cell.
6h16
